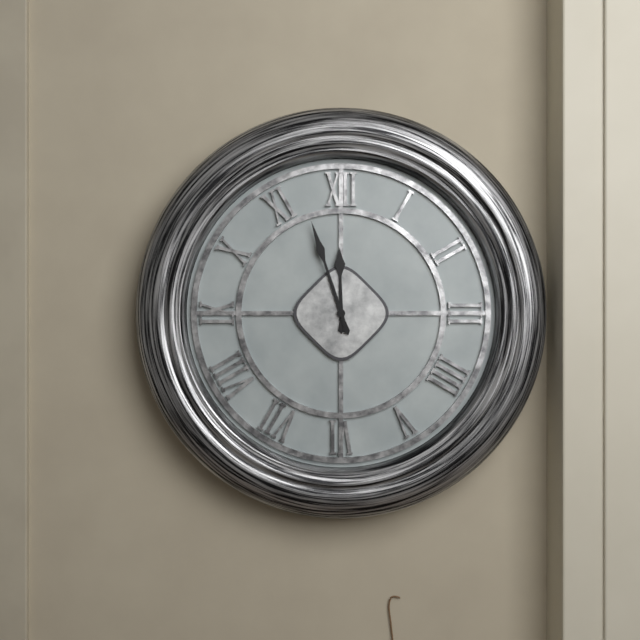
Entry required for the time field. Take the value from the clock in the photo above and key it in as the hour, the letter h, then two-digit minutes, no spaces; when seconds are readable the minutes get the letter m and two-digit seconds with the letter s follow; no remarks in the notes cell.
11h57
